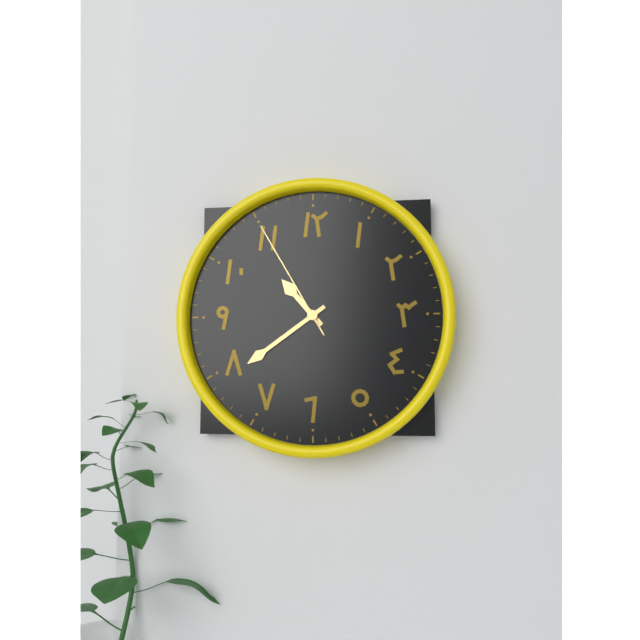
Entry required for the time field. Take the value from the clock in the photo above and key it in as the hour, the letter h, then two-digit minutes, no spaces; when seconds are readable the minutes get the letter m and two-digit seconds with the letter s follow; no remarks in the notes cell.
10h39m55s
